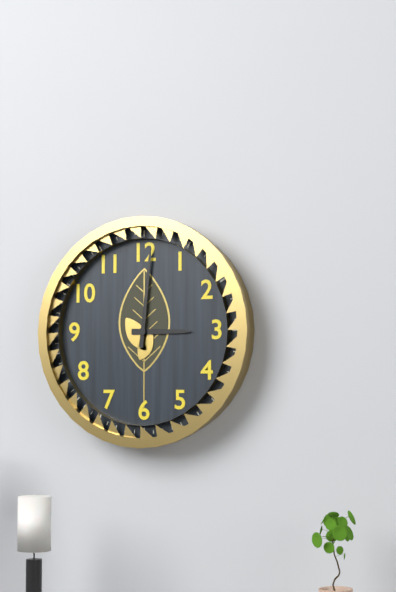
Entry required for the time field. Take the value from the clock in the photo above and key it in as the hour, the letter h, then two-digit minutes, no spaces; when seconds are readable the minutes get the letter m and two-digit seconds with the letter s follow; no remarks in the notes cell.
3h01
